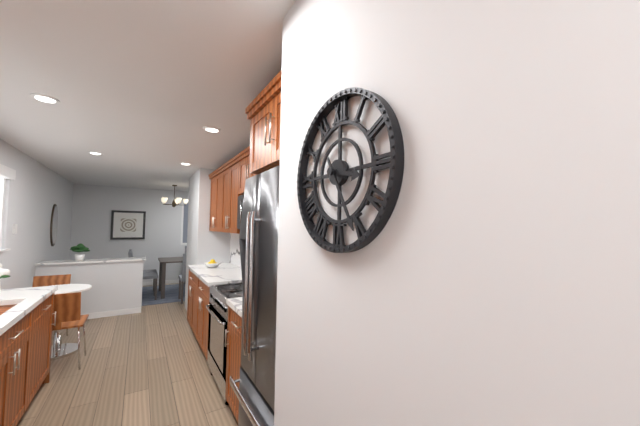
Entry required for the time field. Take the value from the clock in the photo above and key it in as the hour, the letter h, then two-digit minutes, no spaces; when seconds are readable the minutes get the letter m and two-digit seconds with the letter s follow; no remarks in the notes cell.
3h25
